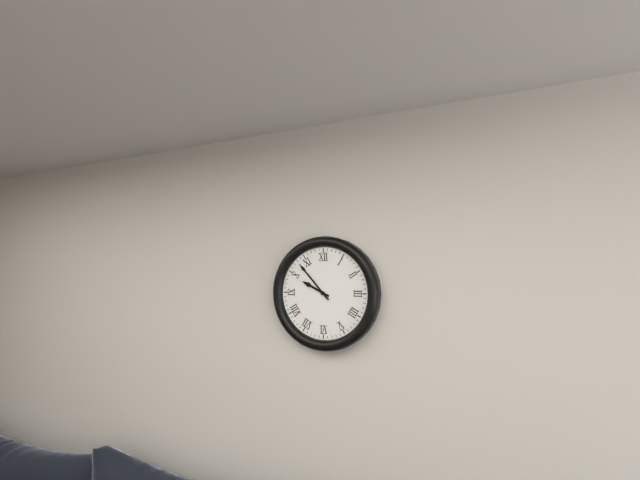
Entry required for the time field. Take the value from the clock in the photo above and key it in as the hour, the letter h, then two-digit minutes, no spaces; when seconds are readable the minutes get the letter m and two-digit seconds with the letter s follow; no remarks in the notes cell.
9h53
